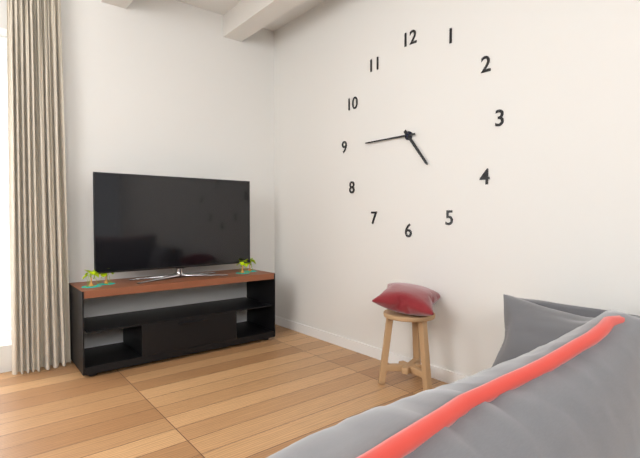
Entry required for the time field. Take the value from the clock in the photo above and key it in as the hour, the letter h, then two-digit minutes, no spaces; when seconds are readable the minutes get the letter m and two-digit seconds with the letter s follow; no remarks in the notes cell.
4h45
